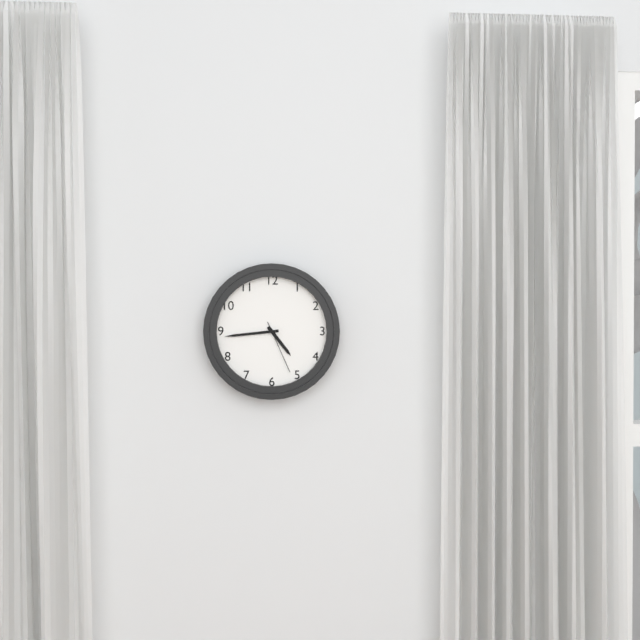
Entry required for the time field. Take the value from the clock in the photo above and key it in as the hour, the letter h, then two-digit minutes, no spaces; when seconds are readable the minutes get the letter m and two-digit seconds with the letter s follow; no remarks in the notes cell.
4h44m26s
